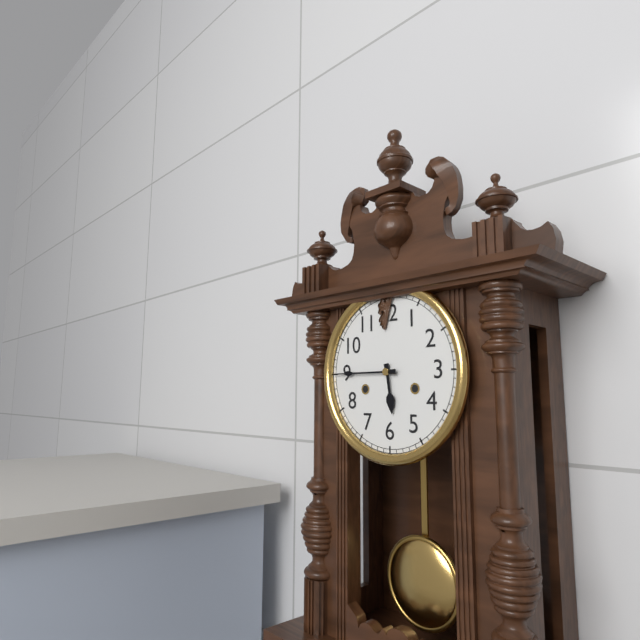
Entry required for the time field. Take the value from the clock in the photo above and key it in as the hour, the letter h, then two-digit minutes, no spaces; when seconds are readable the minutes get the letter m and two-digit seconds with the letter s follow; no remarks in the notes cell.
5h45
